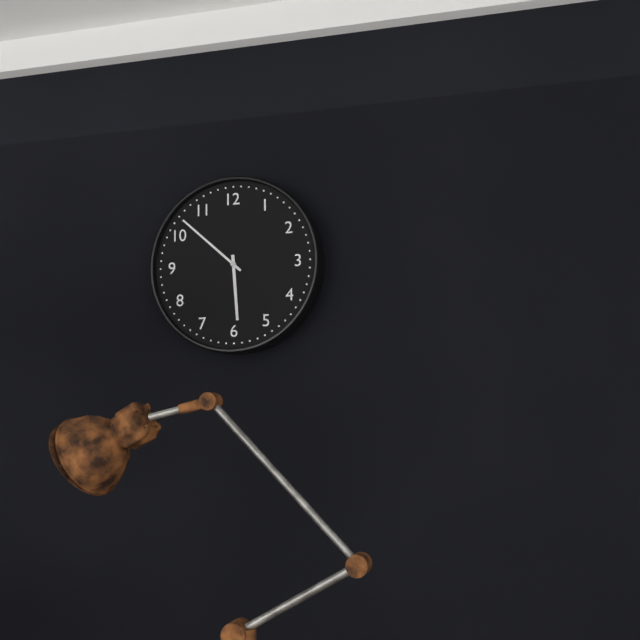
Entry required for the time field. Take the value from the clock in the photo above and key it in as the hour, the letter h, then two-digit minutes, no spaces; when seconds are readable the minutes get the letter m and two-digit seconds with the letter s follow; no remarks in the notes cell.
5h52
